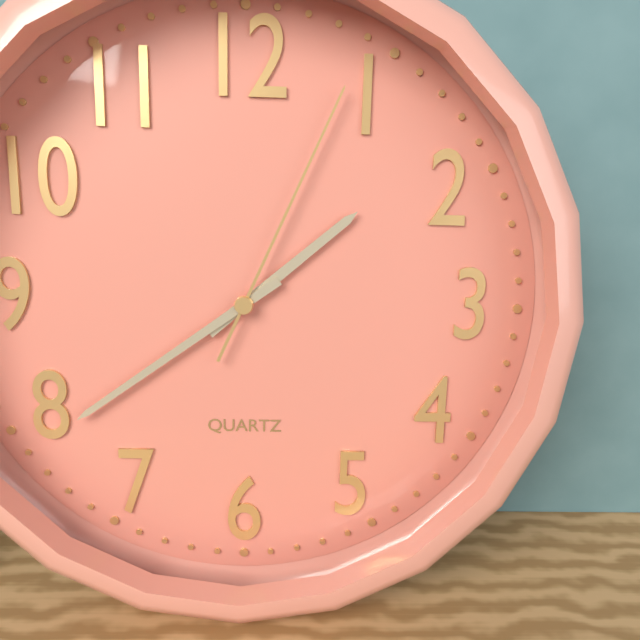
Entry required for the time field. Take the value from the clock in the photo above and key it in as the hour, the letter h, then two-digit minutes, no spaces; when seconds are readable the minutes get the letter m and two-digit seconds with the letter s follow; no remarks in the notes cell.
1h39m04s
